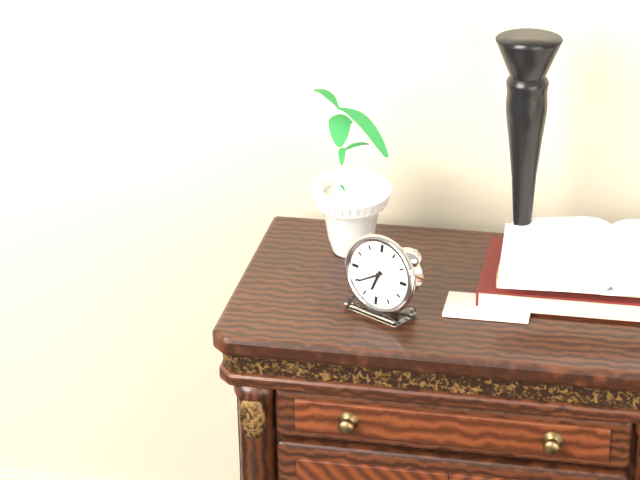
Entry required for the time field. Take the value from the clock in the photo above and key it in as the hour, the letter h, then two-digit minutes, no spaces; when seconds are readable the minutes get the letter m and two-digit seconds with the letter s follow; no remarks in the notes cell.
6h40
